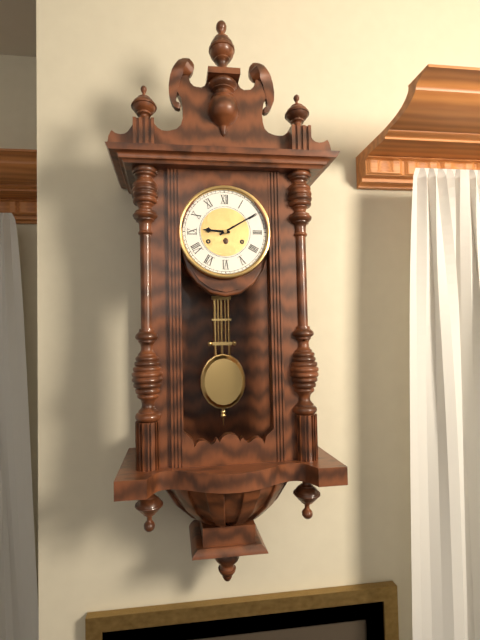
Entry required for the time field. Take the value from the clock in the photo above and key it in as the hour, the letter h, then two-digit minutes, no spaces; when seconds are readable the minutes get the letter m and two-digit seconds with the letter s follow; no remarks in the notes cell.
9h10
